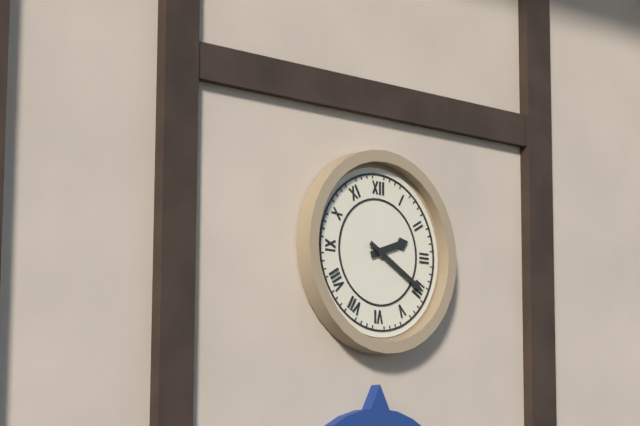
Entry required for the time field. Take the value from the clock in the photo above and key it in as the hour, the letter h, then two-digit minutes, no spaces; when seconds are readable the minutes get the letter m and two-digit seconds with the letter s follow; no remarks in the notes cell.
2h20
